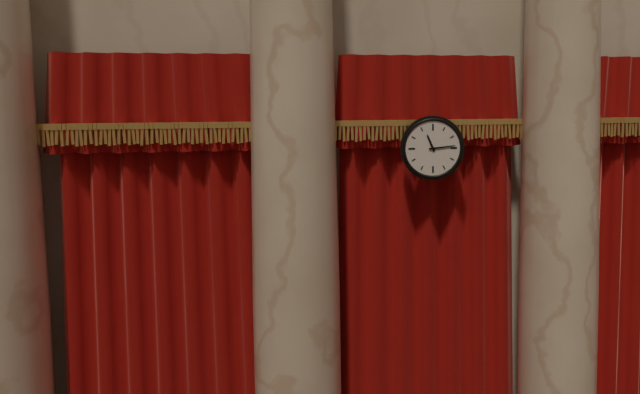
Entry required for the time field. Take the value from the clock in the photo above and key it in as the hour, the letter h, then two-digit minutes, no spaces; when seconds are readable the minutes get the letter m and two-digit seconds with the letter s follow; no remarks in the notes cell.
11h14
